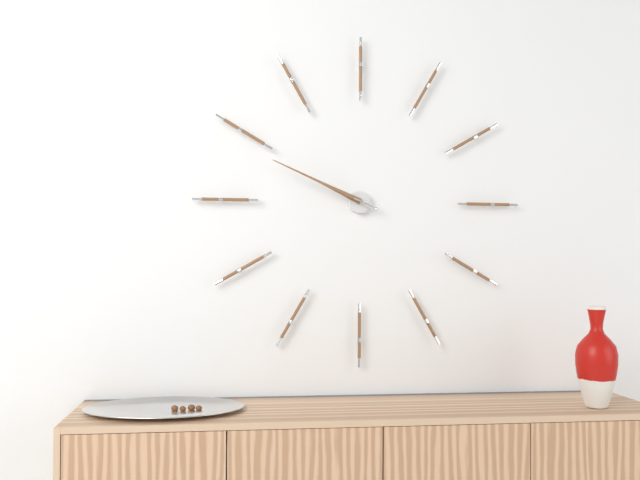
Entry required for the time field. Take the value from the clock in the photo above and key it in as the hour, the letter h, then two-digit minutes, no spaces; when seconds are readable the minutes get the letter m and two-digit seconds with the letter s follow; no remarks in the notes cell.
9h49
